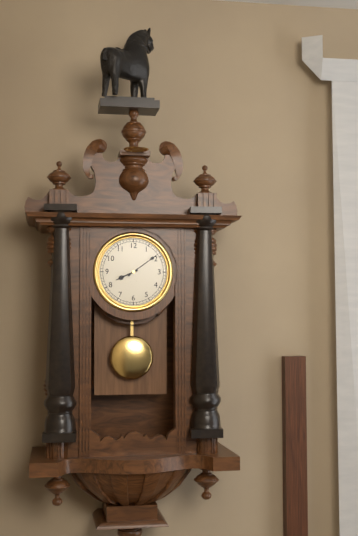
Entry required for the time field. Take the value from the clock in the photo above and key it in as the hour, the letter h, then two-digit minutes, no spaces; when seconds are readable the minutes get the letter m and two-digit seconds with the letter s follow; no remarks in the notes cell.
8h09
